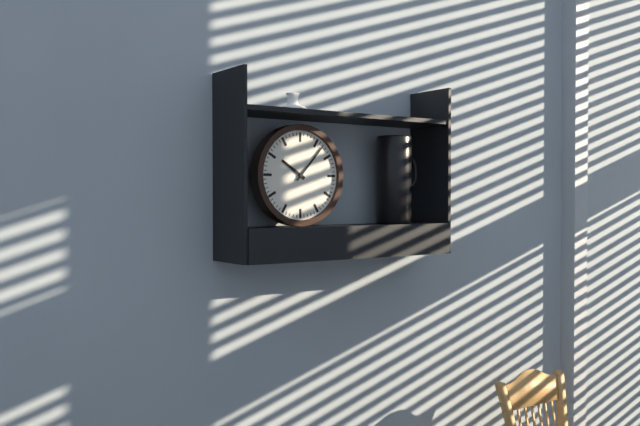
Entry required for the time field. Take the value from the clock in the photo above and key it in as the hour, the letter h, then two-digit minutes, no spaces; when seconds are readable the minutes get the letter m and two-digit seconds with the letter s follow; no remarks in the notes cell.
10h07
